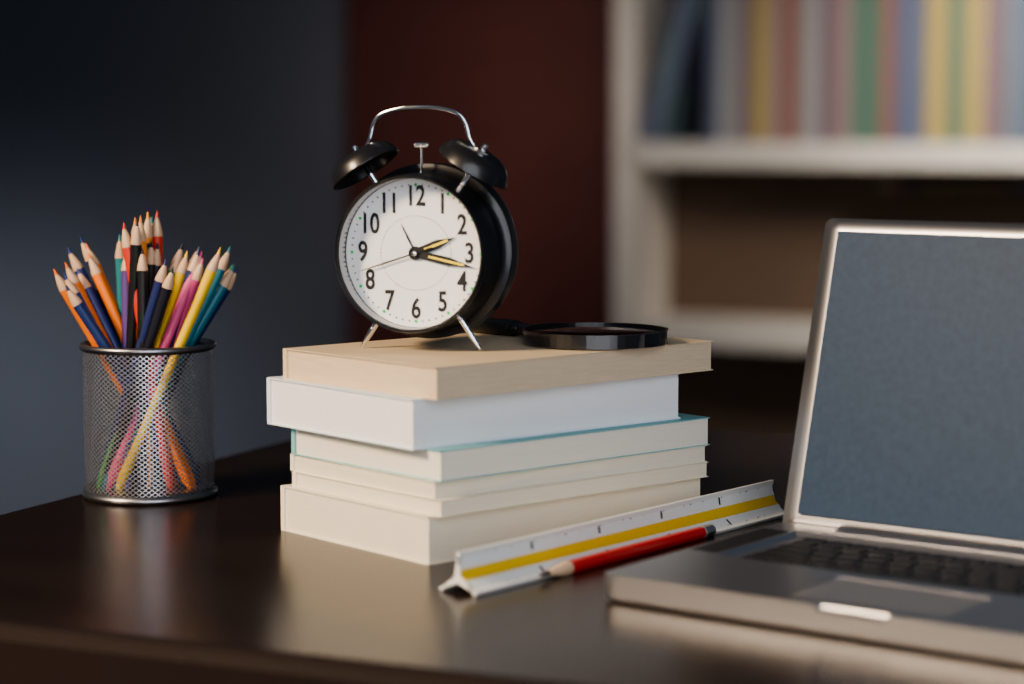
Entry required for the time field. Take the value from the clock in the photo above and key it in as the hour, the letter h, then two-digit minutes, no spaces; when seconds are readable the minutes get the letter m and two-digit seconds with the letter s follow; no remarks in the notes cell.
2h17m42s
